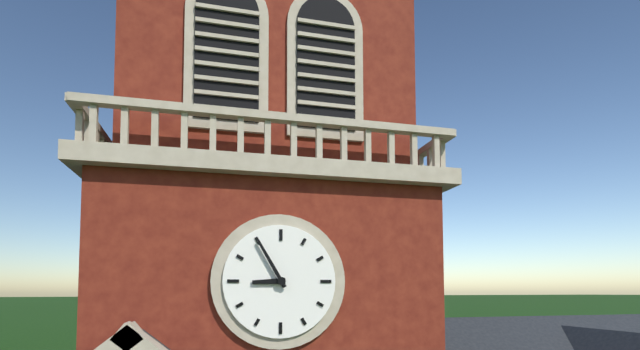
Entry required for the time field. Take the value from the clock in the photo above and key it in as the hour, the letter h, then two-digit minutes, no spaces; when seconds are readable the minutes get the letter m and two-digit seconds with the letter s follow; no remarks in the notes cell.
8h55
